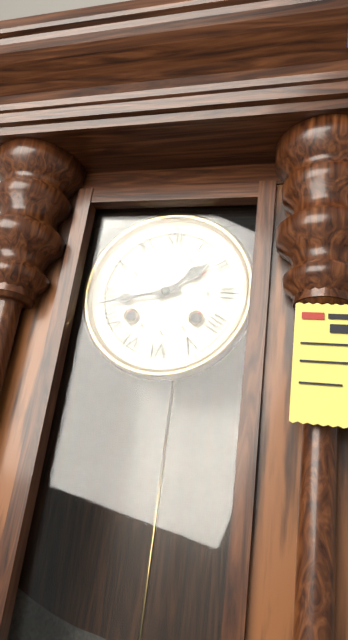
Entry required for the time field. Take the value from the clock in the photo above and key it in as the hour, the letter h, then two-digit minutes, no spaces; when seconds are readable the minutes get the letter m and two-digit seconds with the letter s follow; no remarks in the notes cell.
1h43
